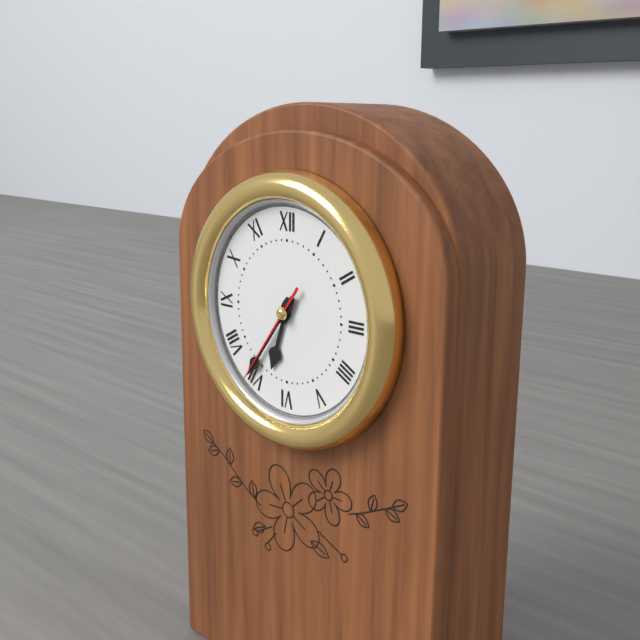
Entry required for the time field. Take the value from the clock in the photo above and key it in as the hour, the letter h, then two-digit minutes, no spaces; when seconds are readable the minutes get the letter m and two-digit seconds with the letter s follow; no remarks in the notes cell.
6h36m36s
